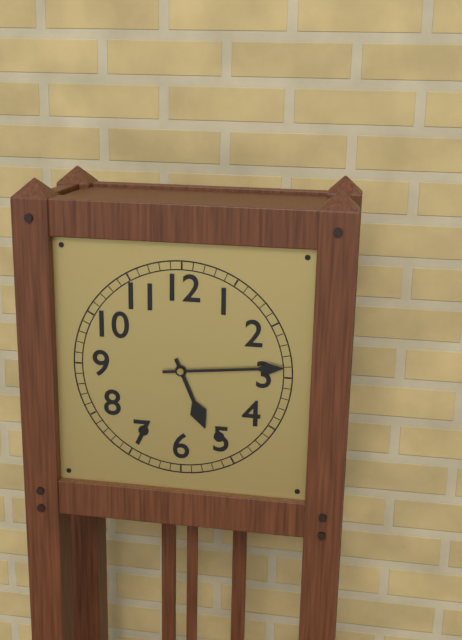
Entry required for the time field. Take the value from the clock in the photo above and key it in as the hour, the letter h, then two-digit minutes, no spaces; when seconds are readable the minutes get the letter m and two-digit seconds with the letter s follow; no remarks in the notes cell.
5h14
